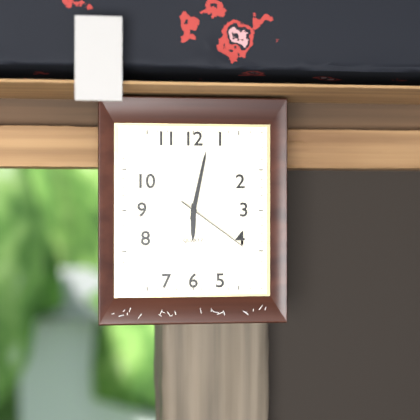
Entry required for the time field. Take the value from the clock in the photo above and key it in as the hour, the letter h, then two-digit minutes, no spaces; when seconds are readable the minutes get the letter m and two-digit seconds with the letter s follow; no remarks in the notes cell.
6h02m21s
